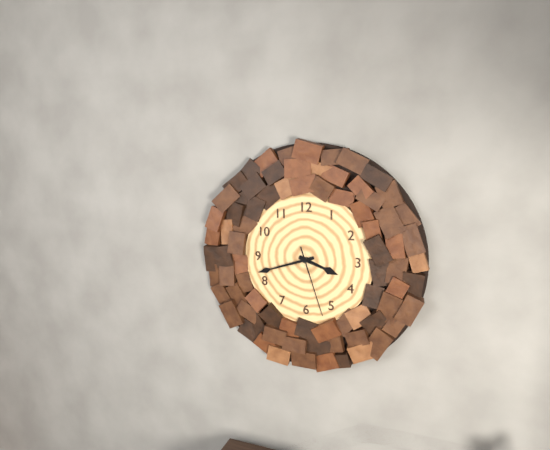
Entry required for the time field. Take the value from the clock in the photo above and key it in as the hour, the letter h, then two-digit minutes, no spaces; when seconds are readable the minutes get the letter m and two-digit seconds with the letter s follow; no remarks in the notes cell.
3h42m27s
